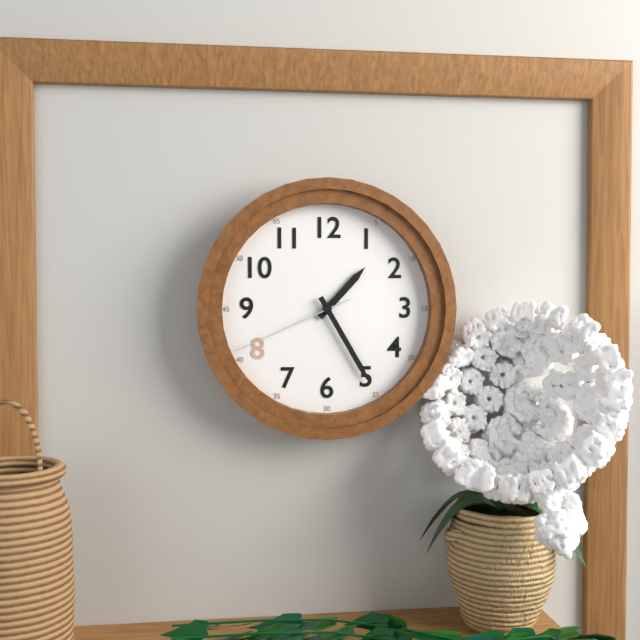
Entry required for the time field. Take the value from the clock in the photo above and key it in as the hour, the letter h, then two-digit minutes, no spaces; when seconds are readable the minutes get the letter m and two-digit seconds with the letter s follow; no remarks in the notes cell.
1h25m41s
